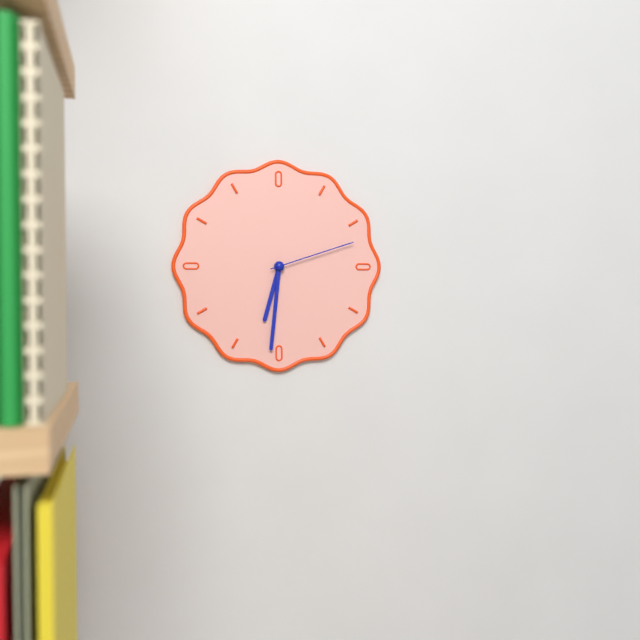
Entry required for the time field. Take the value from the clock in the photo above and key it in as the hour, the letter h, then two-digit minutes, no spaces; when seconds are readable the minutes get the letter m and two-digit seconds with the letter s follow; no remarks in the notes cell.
6h31m12s
